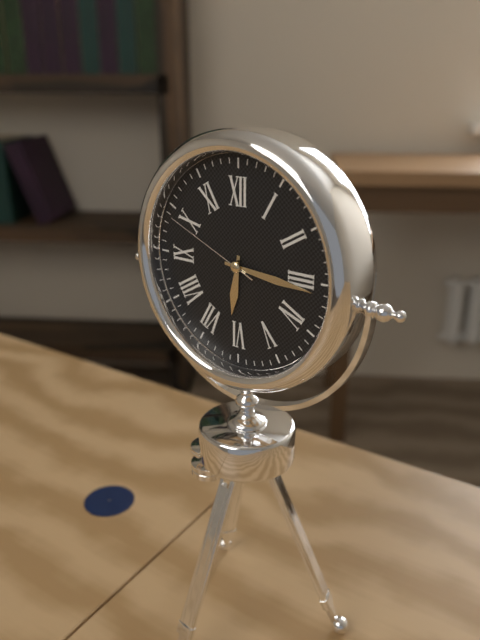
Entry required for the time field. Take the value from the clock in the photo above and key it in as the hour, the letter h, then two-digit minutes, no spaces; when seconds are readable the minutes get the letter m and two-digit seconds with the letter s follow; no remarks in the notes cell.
6h16m49s
